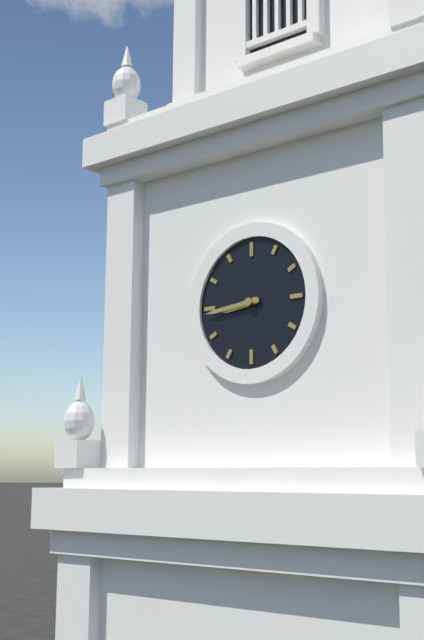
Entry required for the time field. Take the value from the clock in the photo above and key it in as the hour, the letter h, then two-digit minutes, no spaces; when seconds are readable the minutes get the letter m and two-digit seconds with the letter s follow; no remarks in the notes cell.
8h44
